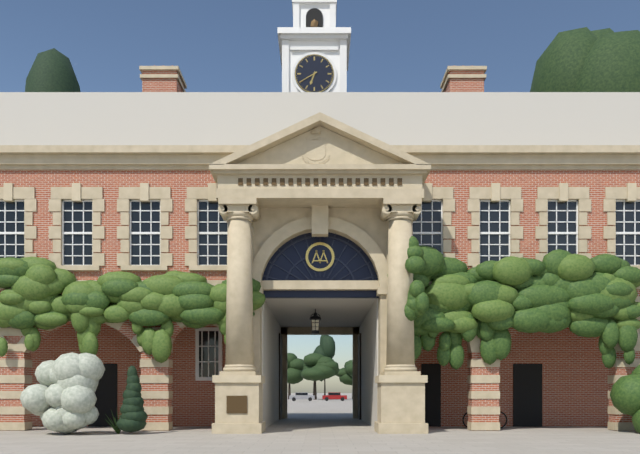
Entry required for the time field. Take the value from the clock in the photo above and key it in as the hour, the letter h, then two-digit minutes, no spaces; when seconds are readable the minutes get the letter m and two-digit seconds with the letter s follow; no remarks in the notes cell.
6h40
